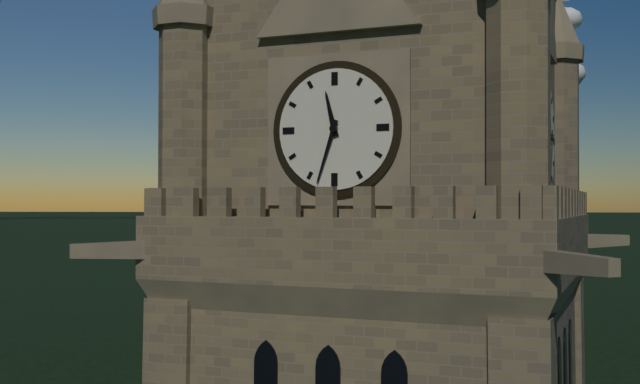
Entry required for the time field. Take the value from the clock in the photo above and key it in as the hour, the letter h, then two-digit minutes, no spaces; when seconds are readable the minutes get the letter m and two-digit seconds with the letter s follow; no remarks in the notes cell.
11h33
